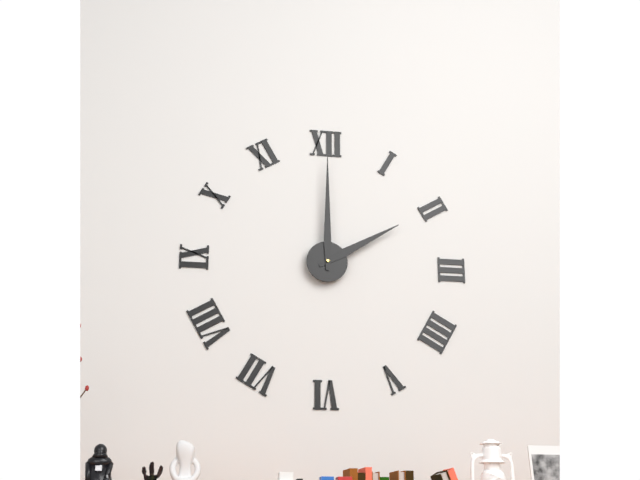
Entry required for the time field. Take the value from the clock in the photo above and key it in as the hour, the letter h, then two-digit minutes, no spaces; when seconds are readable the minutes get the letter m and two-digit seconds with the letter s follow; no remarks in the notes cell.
2h00
